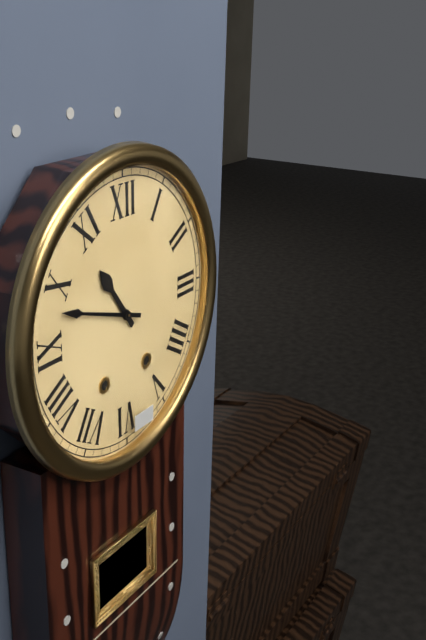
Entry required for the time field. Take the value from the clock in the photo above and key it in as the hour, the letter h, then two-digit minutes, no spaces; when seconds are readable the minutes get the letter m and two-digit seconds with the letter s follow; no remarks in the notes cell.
10h48
